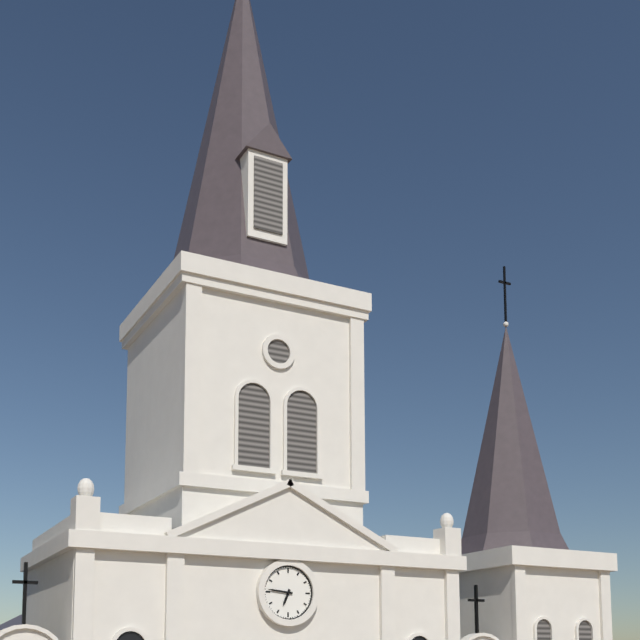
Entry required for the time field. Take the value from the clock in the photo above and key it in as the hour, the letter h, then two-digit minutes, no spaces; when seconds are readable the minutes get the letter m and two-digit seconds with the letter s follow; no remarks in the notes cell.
6h46
